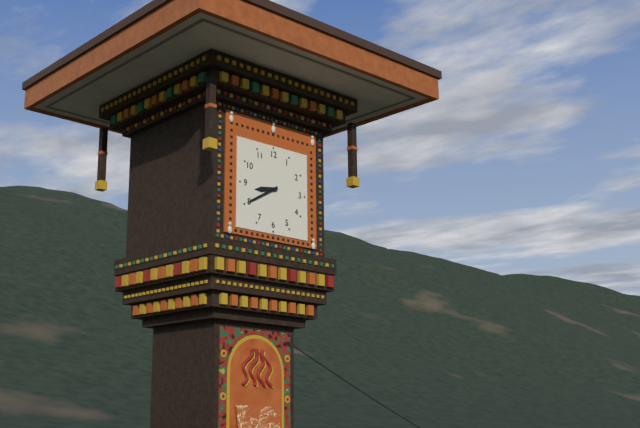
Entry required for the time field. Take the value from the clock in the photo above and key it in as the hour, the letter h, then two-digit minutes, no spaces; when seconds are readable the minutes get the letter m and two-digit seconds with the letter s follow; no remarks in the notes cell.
8h40
